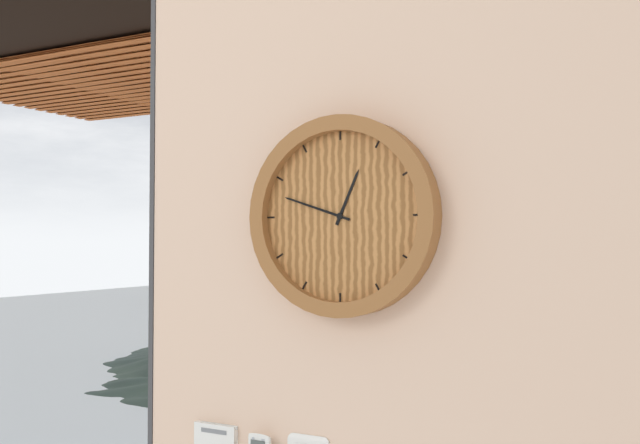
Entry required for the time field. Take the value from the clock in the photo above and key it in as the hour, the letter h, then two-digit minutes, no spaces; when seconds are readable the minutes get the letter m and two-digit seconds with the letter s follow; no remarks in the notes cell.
12h48
